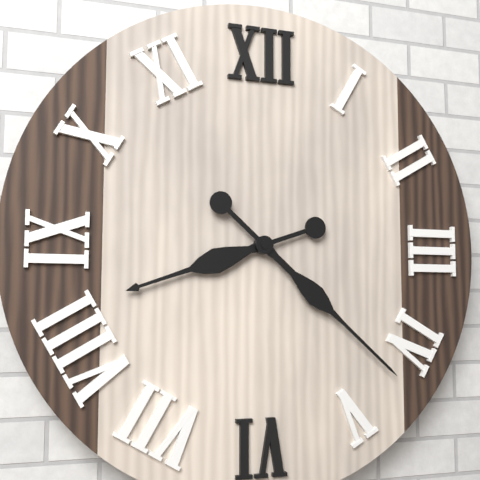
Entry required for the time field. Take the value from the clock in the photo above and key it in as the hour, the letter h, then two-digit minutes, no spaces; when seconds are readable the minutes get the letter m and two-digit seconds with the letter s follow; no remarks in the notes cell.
8h22
